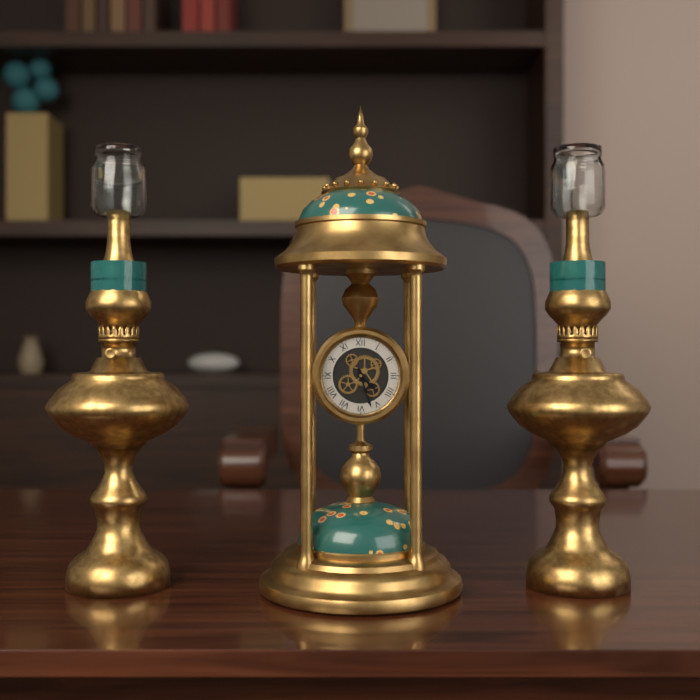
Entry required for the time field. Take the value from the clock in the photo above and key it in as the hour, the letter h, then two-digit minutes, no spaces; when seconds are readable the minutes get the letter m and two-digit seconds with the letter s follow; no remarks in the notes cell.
4h27
